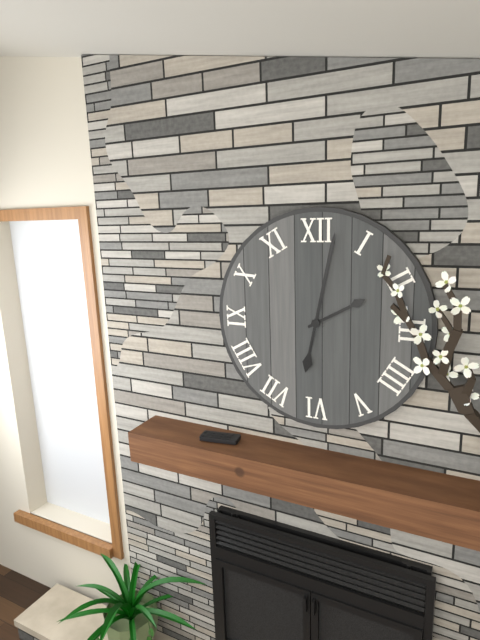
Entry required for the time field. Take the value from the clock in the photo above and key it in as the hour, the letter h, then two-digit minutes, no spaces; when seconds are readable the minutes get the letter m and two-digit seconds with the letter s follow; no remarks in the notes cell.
2h02
